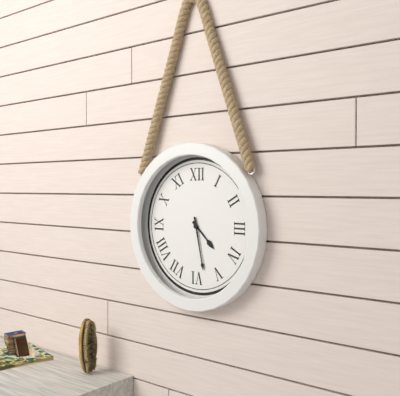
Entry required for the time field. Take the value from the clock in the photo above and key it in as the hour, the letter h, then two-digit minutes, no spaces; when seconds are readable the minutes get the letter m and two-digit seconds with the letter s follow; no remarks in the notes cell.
4h28
